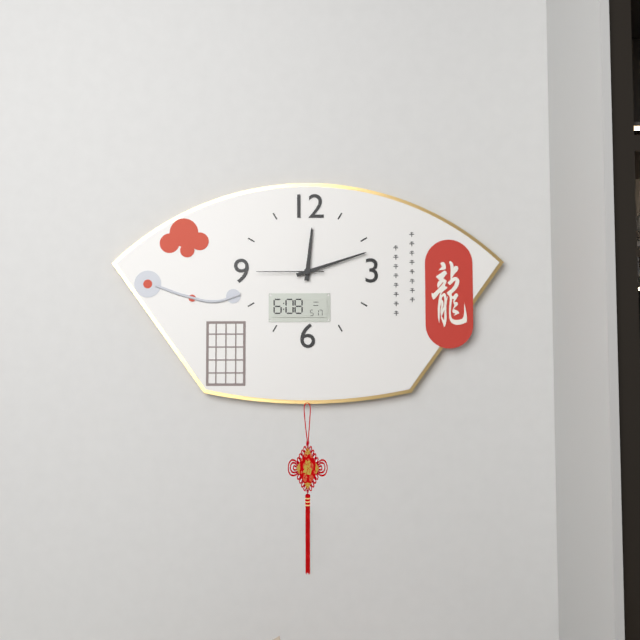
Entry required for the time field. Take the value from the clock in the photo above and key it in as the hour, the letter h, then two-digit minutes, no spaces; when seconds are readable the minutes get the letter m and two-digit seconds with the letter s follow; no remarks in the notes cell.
12h12m45s
